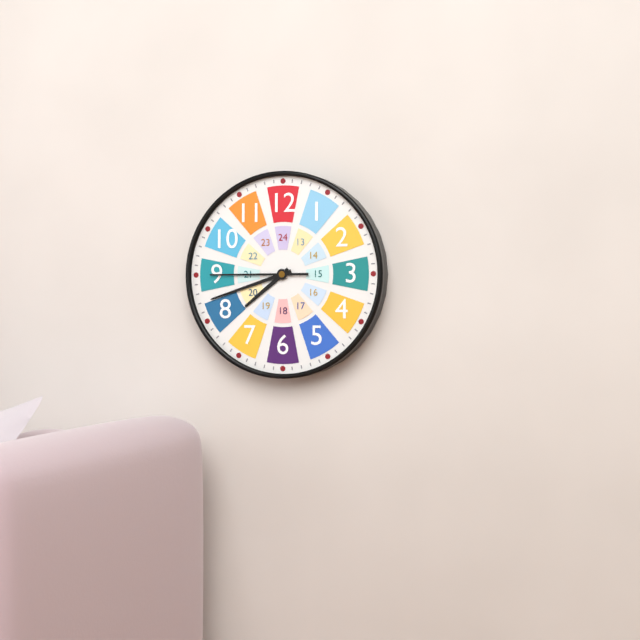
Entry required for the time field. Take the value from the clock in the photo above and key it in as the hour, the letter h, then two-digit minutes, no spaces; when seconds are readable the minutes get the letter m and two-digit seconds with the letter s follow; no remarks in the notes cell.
7h42m45s
